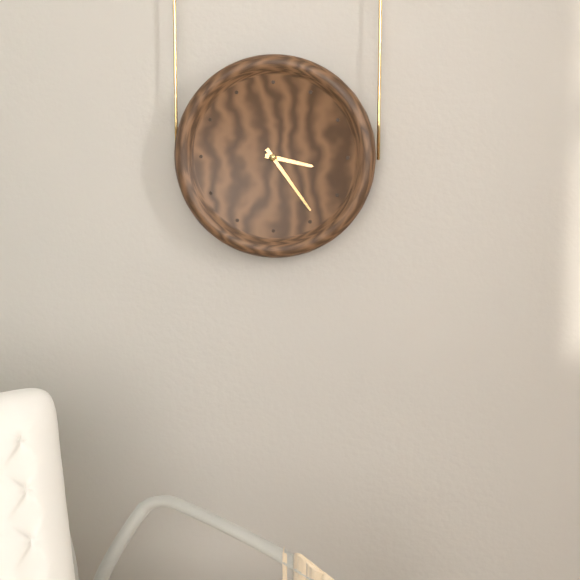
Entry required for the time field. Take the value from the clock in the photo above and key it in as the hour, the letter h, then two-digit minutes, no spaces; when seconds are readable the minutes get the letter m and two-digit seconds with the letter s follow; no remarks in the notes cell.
3h24
